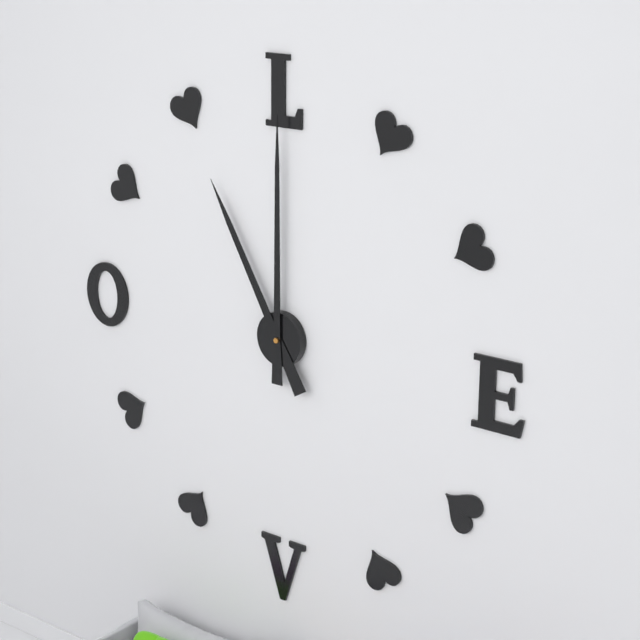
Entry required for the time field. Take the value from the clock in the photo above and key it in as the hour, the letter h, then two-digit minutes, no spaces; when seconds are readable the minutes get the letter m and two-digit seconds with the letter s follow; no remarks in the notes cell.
11h00
